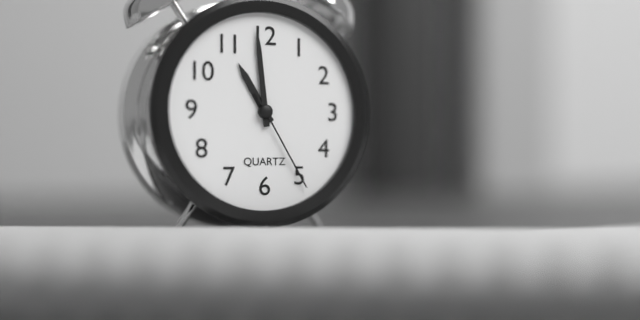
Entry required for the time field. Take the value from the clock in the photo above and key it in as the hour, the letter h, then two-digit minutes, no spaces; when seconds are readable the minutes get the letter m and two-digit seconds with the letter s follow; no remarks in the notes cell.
10h59m25s
